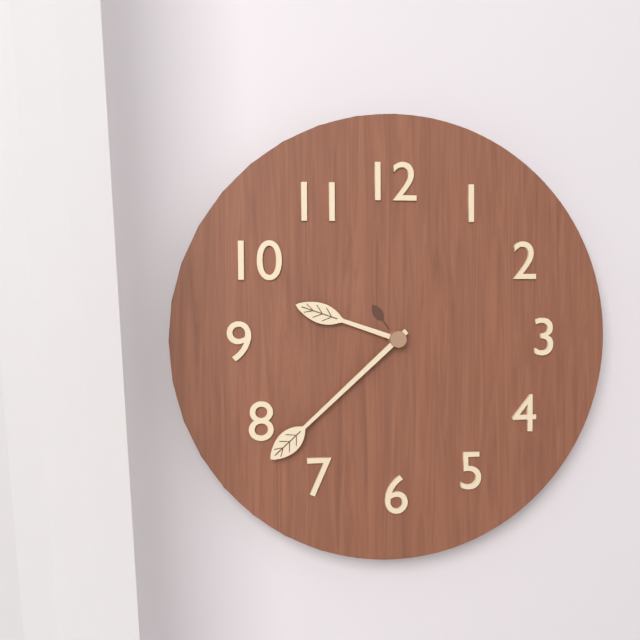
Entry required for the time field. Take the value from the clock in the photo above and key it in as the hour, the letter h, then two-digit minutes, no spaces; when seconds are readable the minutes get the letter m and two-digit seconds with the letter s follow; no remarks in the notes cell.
9h38
